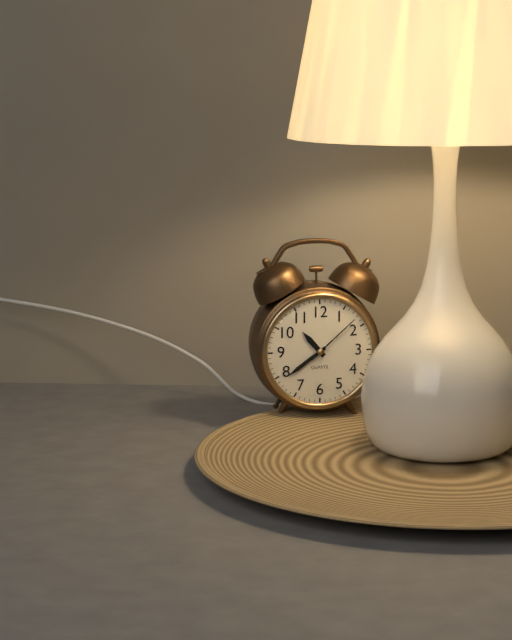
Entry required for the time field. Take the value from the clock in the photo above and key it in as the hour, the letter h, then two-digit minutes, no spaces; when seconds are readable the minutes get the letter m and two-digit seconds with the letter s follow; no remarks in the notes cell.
10h39m08s
